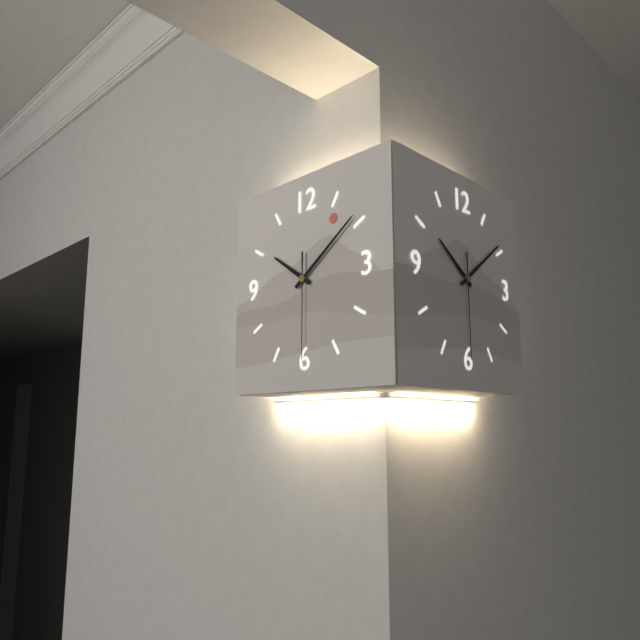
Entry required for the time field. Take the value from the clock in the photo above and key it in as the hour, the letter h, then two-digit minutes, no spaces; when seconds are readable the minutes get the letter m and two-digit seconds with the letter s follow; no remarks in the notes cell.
10h09m30s
